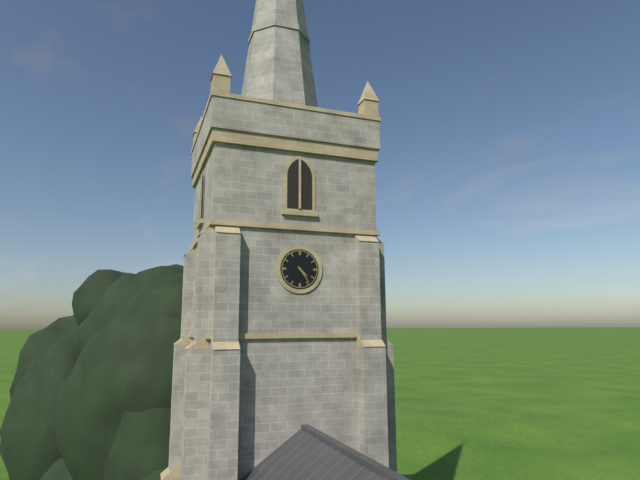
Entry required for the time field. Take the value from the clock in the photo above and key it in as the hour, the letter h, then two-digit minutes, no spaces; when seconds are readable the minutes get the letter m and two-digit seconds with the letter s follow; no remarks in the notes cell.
4h24
